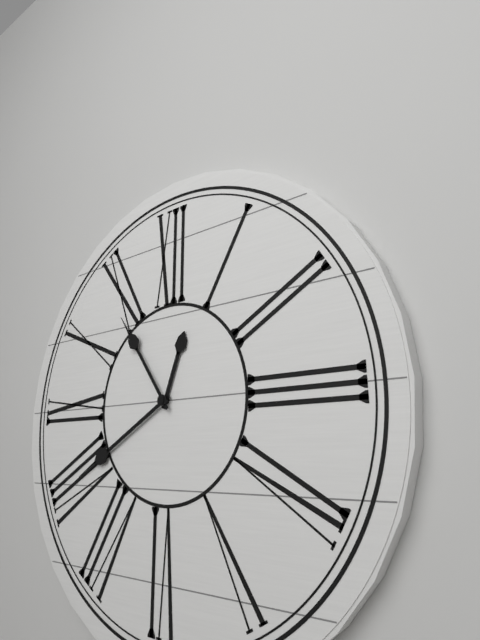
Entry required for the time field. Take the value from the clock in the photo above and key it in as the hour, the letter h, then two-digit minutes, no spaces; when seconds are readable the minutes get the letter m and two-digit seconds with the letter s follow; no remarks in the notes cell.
12h40m54s
